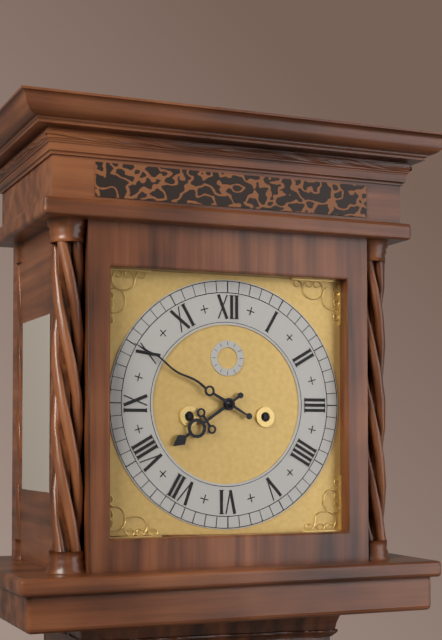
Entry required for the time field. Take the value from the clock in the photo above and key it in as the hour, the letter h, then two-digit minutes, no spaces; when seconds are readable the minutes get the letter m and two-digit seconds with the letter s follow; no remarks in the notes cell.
7h50
